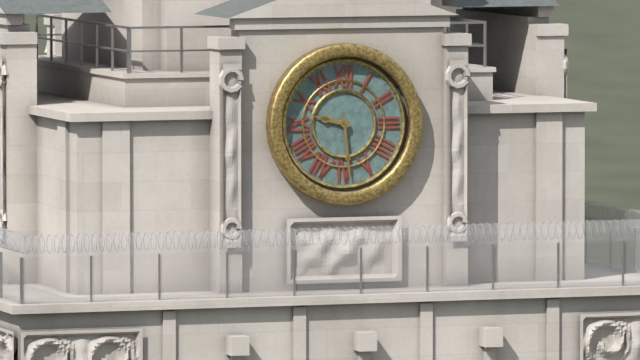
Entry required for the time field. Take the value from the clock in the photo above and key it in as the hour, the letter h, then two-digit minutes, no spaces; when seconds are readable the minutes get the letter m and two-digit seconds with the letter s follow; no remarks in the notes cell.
9h29
